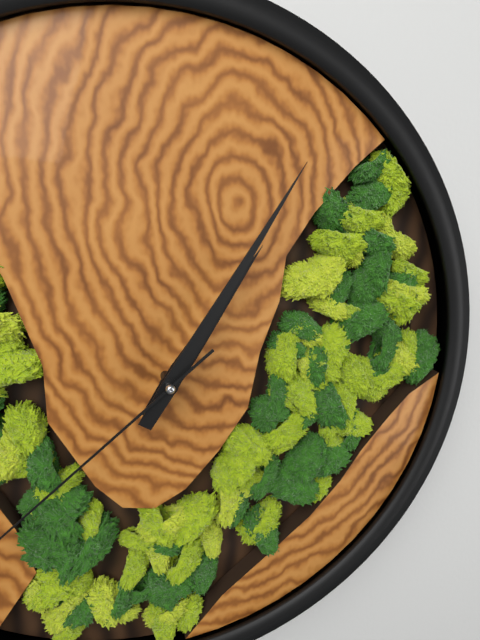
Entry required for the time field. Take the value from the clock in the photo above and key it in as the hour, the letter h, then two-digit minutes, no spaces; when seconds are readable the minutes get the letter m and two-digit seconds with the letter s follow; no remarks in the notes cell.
1h05
